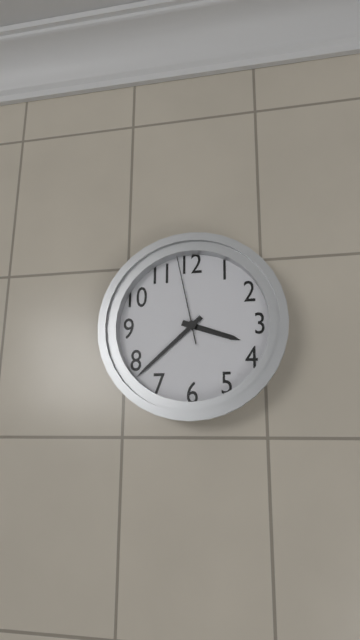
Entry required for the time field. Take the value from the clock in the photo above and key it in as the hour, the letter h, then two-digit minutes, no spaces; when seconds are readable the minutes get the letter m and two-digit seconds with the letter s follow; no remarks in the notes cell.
3h38m58s
